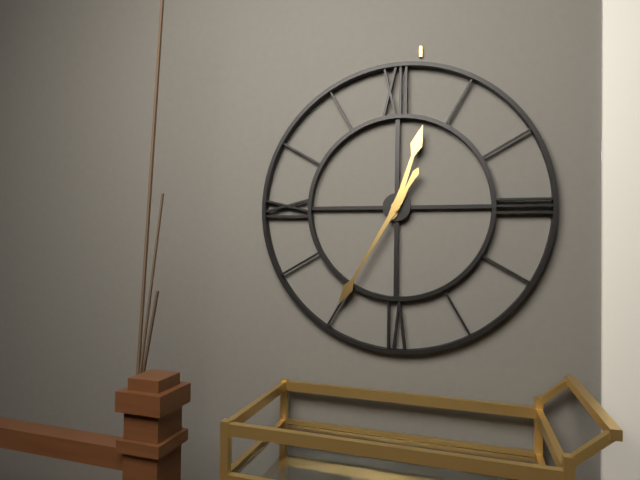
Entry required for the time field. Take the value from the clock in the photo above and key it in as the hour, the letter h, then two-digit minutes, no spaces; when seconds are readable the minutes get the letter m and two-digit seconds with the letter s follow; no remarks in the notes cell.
12h35
